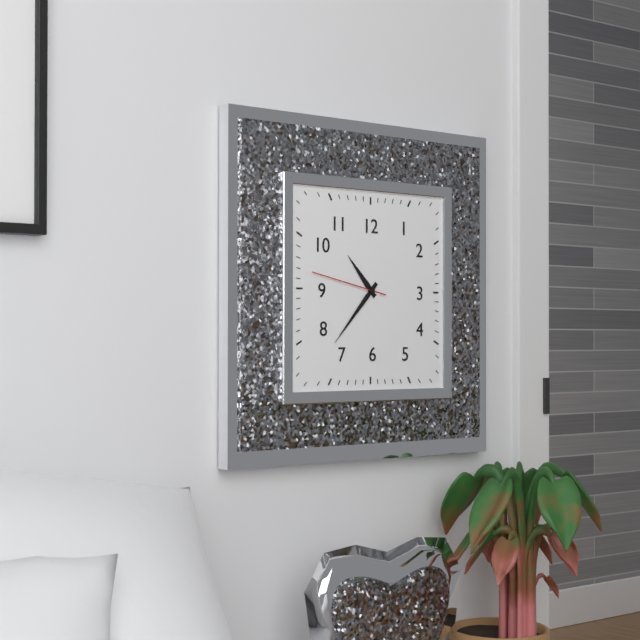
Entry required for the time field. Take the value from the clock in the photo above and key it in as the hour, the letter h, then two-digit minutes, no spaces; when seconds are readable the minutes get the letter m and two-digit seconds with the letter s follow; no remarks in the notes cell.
10h37m47s
